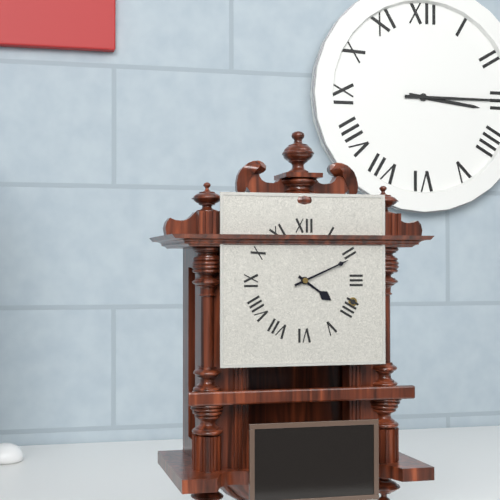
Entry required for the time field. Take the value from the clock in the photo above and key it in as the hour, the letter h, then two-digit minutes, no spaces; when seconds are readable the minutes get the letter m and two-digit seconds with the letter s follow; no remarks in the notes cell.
4h11
